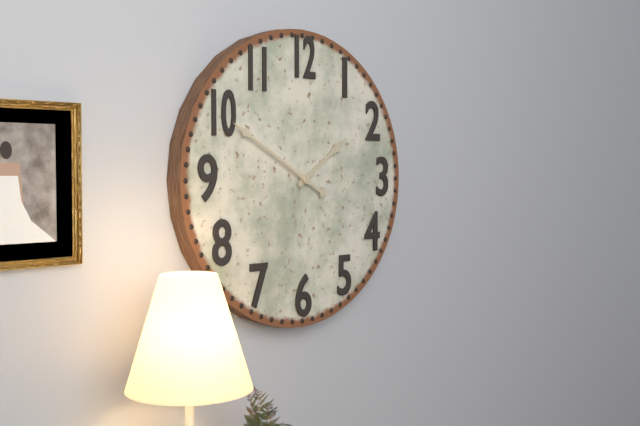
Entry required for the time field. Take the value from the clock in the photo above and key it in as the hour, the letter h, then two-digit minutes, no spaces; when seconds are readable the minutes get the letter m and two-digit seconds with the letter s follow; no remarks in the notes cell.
1h50
